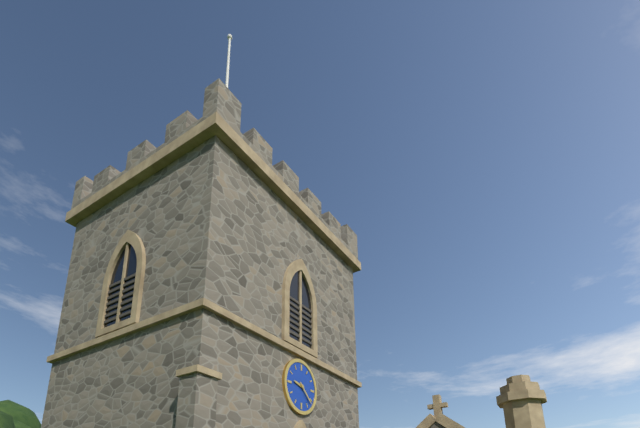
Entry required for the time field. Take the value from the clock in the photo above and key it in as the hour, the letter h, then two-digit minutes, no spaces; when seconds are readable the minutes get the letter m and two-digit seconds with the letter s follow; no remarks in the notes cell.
9h22
